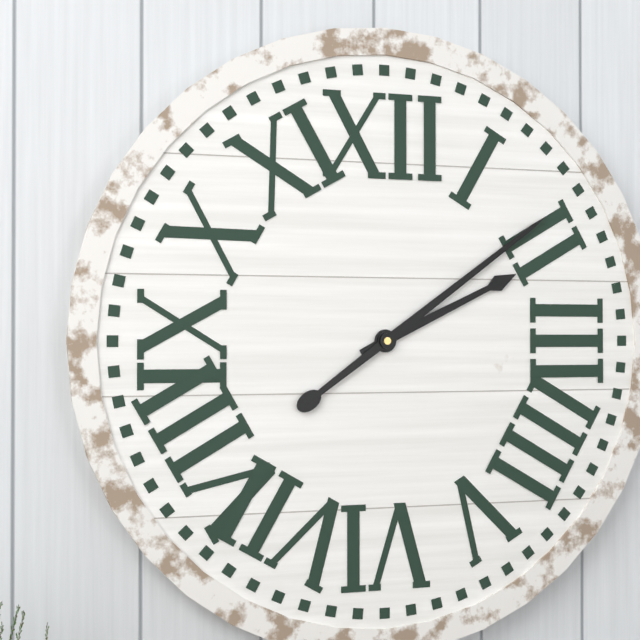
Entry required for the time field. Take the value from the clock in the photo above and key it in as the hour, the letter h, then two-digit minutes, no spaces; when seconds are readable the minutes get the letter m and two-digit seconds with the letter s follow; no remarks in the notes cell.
2h09
